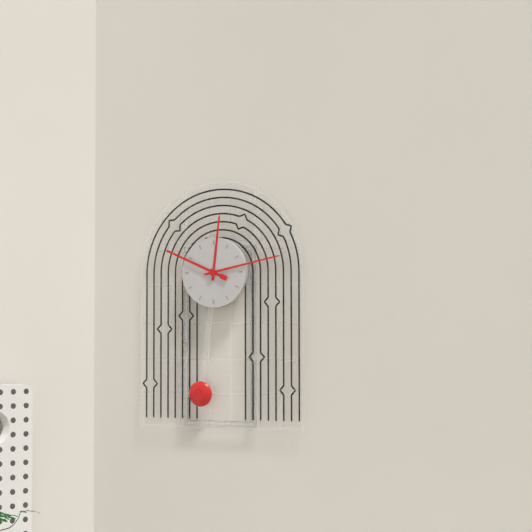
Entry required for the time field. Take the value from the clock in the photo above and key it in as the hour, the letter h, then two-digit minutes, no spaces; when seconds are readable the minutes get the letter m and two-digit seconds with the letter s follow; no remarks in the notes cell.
12h13m49s
